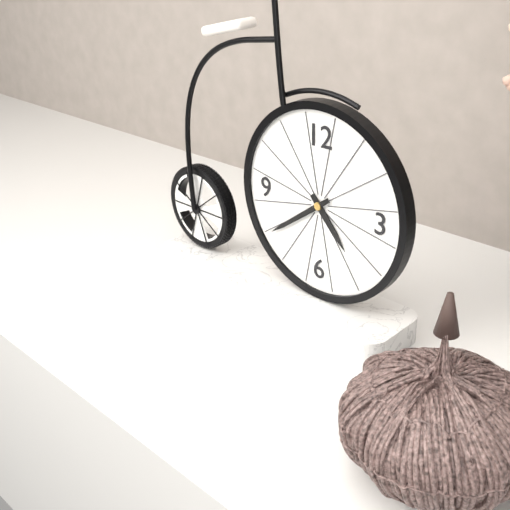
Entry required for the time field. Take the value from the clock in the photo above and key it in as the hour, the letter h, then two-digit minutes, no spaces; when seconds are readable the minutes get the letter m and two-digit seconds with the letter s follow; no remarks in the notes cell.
4h39
